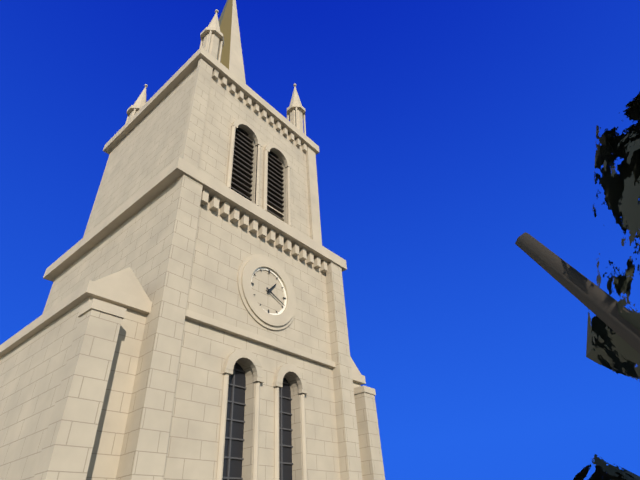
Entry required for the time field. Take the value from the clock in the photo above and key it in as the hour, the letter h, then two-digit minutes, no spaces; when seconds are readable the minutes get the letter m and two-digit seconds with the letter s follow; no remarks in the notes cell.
1h19
